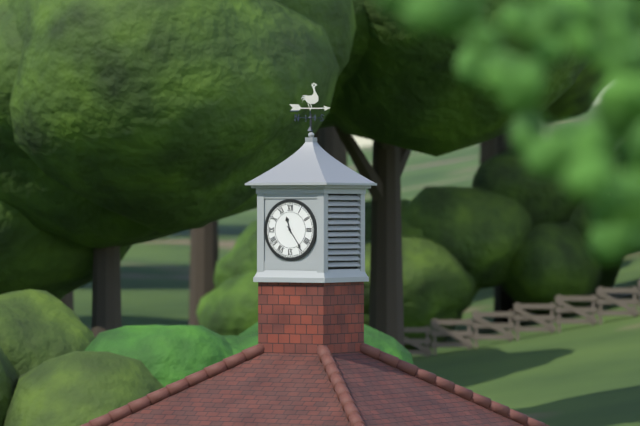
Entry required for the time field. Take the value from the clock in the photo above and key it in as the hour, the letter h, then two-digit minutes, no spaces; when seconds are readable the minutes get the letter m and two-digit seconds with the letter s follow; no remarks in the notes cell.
11h24
